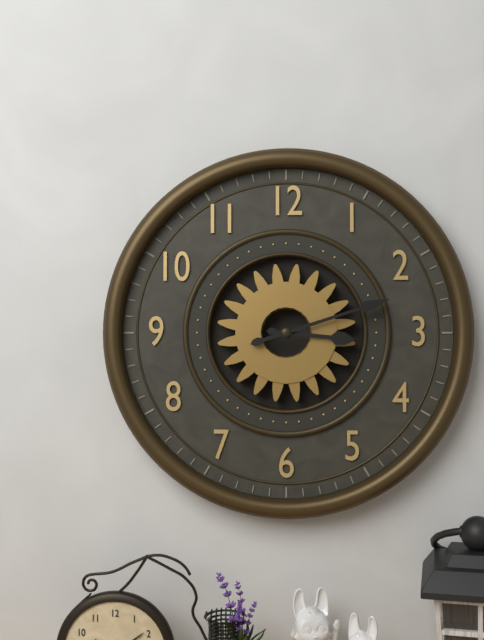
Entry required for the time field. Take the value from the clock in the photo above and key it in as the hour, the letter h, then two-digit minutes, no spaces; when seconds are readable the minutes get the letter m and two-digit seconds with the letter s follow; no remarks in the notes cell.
3h12
